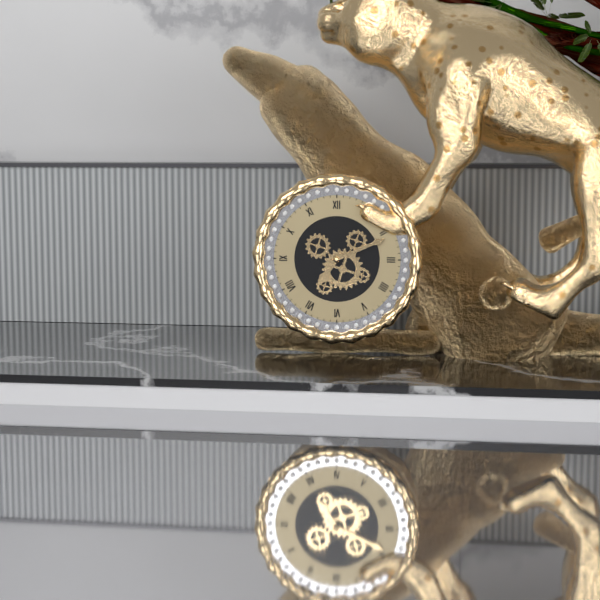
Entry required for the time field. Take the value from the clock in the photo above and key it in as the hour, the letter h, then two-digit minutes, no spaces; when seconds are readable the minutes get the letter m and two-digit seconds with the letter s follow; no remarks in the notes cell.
7h11
